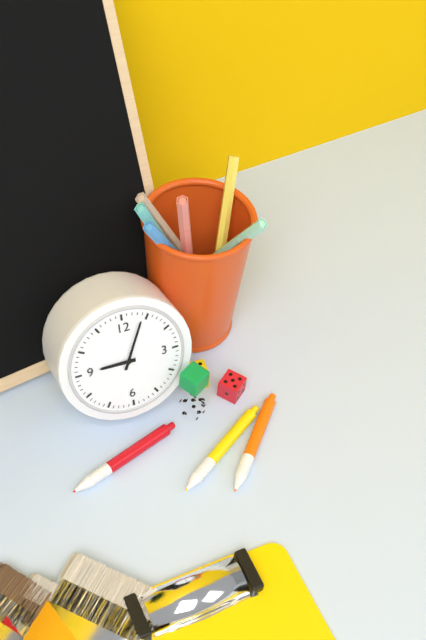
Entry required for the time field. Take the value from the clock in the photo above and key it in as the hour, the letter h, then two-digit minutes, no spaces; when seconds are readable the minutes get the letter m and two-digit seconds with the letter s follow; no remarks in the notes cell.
9h04
